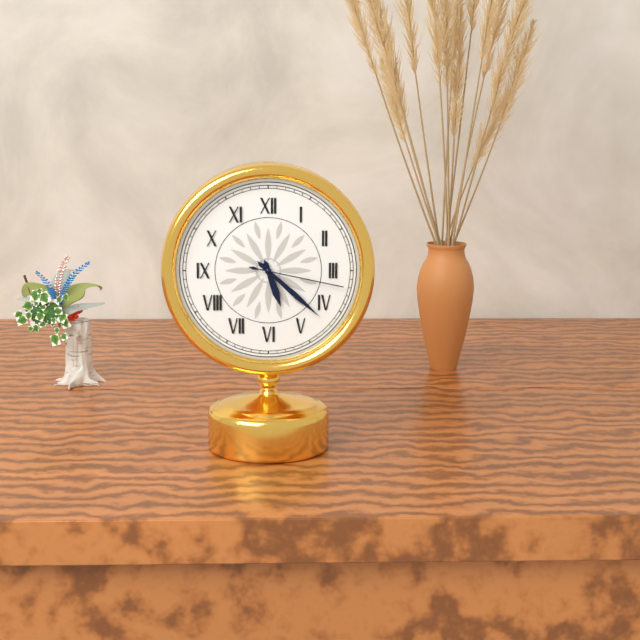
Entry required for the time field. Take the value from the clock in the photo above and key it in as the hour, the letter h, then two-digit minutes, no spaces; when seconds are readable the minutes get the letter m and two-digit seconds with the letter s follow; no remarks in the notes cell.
5h22m17s
